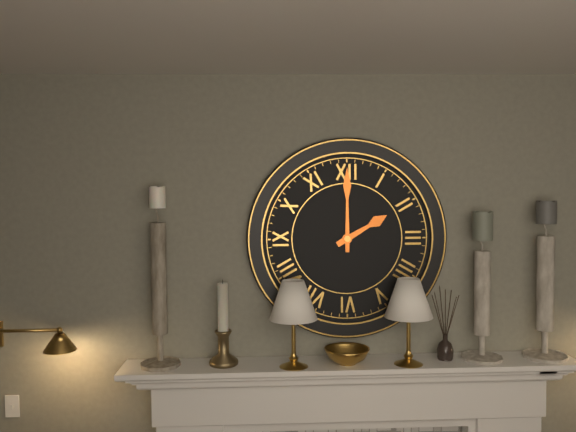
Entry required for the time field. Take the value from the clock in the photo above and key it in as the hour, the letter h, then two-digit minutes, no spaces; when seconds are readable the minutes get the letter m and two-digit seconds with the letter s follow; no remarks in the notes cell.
2h00
